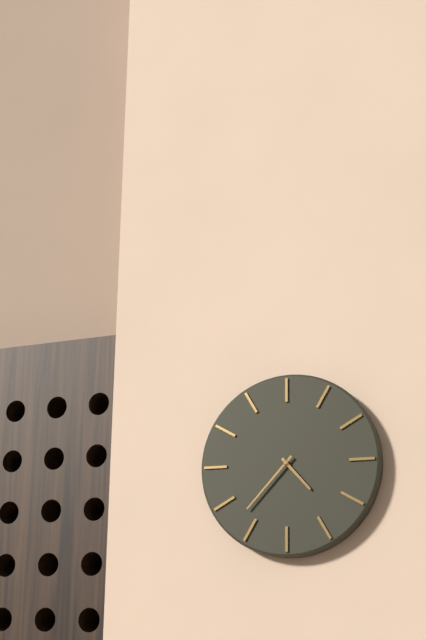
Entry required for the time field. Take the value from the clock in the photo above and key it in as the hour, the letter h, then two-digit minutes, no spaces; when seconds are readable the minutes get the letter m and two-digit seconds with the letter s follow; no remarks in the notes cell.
4h37
